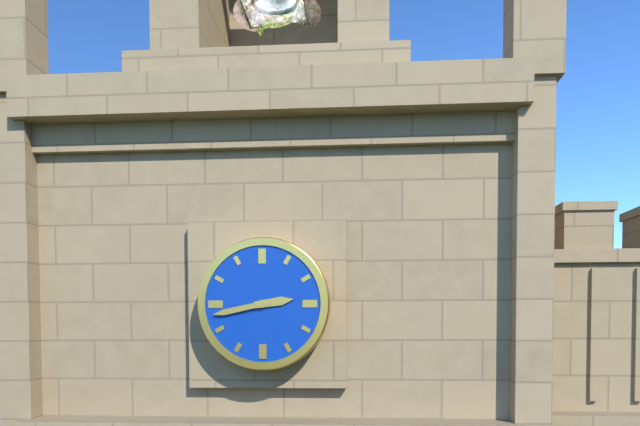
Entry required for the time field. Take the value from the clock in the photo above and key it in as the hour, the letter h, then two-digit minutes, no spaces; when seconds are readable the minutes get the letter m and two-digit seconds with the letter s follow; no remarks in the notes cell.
2h43
